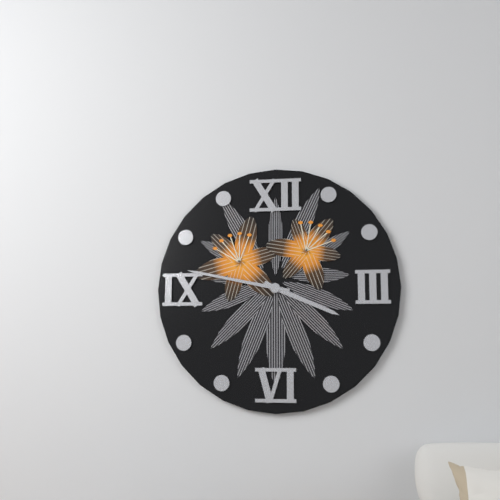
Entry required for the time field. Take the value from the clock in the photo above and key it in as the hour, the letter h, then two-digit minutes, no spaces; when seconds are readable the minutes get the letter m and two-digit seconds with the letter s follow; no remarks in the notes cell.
3h47
